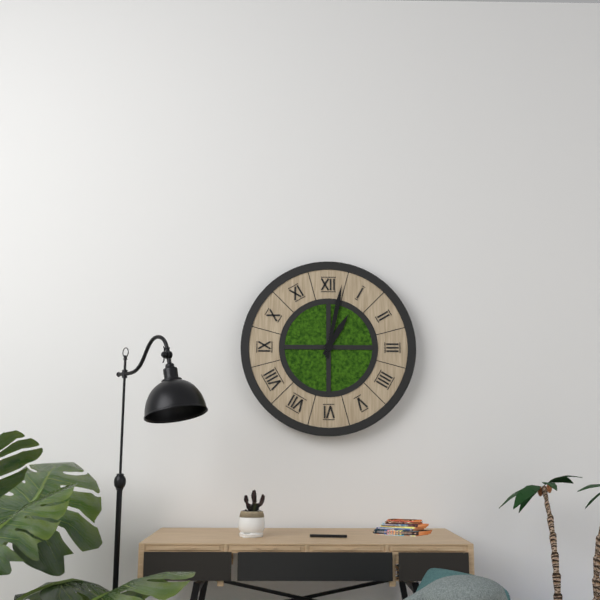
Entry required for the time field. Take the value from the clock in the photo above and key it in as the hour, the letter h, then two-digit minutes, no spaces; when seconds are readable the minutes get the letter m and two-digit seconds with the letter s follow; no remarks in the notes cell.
1h02
